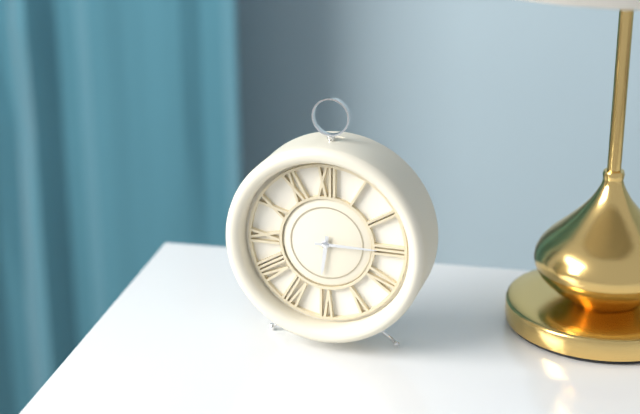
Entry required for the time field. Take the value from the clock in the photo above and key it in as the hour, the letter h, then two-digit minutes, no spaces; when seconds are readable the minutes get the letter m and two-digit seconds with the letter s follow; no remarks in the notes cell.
6h15
